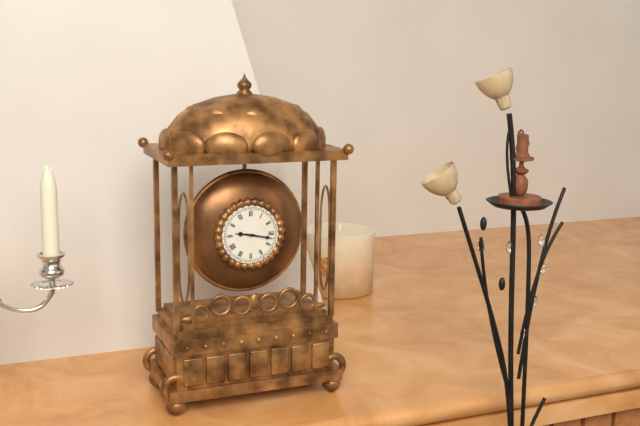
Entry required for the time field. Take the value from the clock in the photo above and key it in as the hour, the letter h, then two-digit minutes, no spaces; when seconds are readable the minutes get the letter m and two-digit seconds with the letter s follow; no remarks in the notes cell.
9h17
